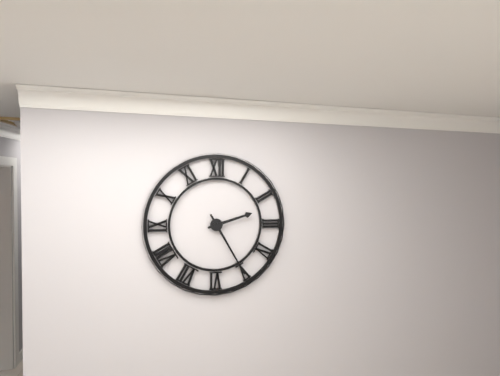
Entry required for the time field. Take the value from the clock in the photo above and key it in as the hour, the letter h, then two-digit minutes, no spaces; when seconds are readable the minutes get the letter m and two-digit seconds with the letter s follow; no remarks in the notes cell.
2h25
